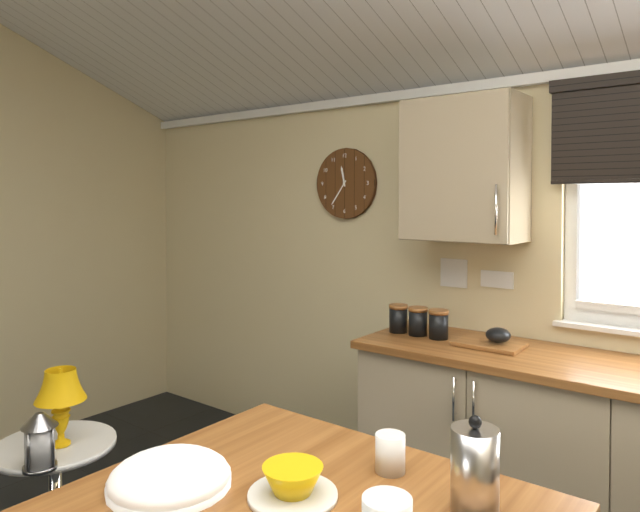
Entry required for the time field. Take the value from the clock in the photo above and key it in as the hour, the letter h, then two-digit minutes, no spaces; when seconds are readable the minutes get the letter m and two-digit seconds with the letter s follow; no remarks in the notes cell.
11h36
